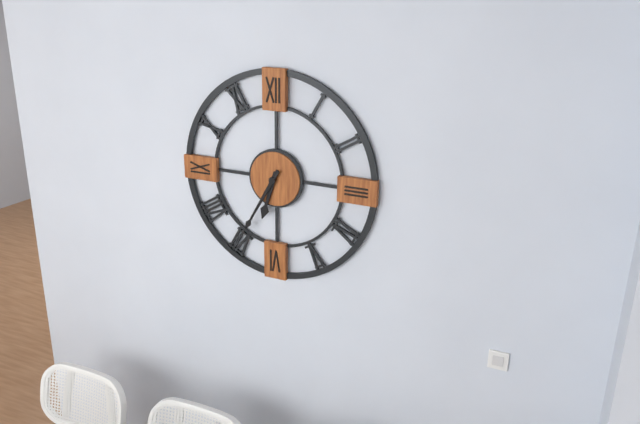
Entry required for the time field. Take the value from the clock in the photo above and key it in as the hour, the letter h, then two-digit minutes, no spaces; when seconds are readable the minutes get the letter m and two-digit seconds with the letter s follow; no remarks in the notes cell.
6h35
